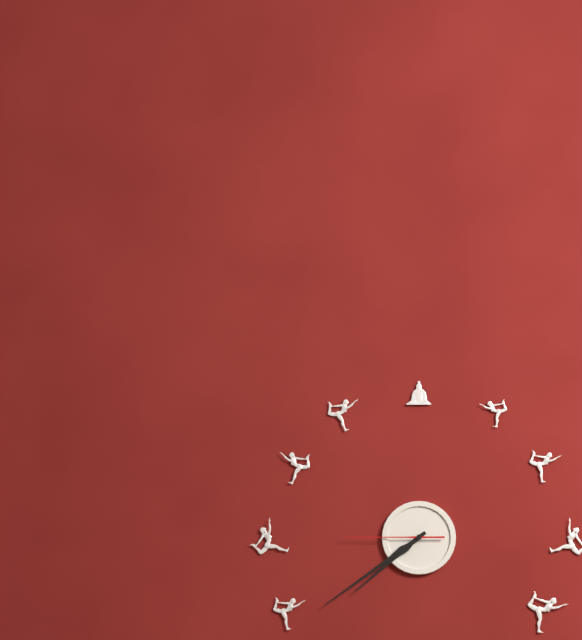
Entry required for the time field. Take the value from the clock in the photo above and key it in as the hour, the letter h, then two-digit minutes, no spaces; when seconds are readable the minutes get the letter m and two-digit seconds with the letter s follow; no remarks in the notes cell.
7h39m45s
